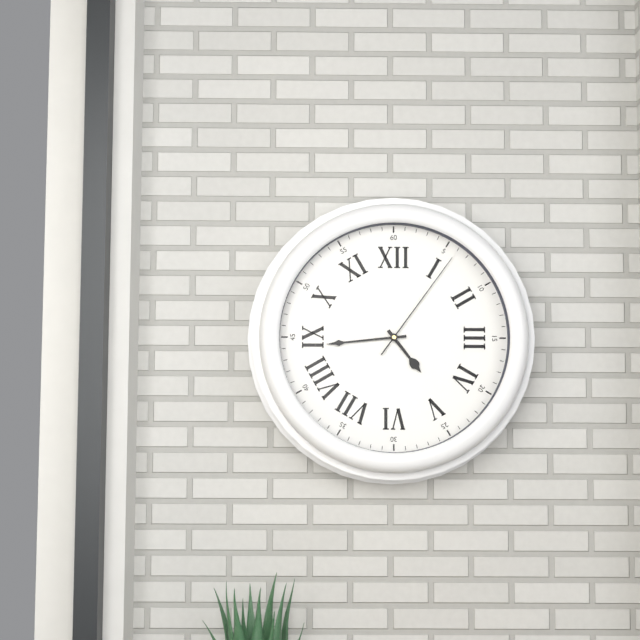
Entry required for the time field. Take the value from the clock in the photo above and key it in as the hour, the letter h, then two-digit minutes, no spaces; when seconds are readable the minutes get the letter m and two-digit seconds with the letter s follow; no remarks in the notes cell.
4h44m06s
